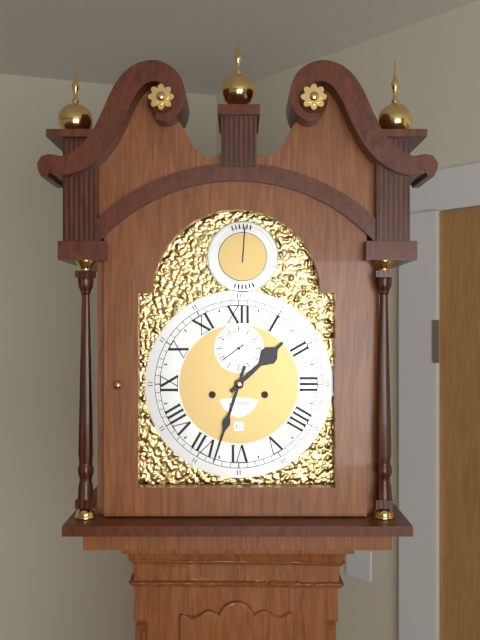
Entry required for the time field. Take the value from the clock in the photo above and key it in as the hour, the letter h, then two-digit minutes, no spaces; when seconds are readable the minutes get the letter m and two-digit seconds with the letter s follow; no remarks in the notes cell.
1h33
